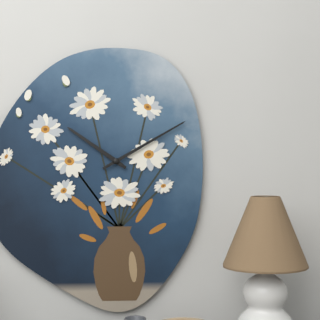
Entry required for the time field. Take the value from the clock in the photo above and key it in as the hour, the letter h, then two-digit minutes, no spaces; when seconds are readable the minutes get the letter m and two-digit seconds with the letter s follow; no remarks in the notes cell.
10h10
